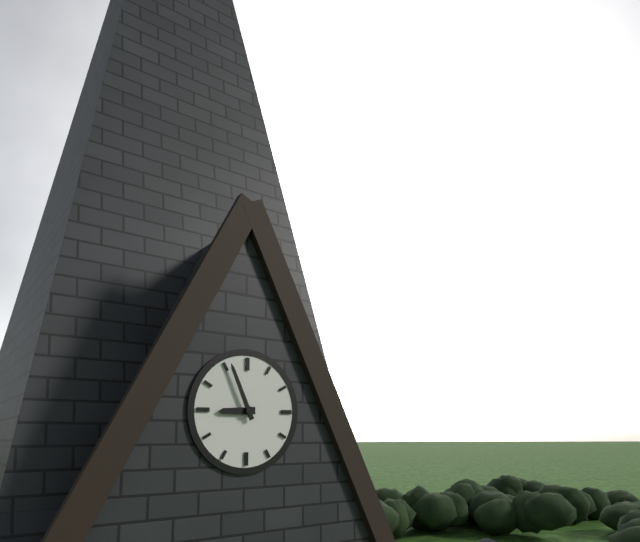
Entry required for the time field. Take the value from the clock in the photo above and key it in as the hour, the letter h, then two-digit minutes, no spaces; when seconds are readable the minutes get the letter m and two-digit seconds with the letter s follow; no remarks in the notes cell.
8h56
